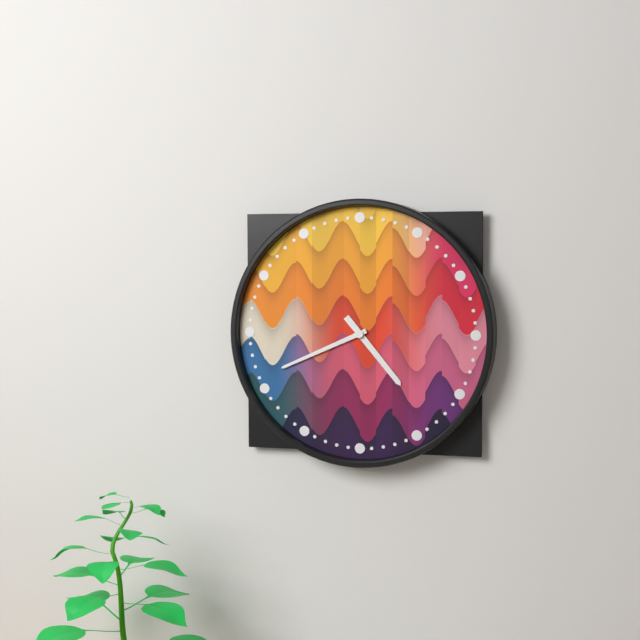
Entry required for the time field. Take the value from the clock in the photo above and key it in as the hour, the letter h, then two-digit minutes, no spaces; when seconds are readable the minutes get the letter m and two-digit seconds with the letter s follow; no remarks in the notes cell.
4h41
